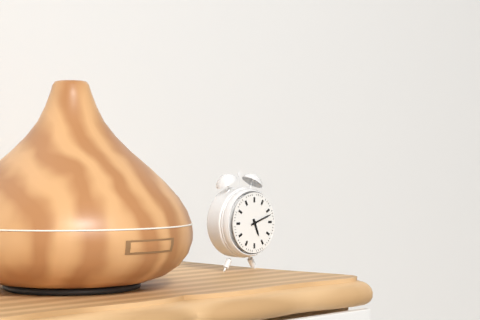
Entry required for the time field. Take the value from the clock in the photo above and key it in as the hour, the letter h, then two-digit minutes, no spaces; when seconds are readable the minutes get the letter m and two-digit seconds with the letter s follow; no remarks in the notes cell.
5h12
